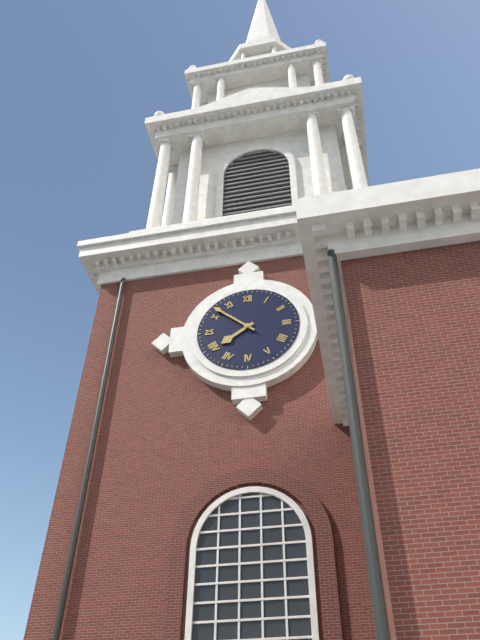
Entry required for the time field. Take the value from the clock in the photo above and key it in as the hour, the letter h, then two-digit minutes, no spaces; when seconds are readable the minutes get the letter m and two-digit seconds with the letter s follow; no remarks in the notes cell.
7h52
